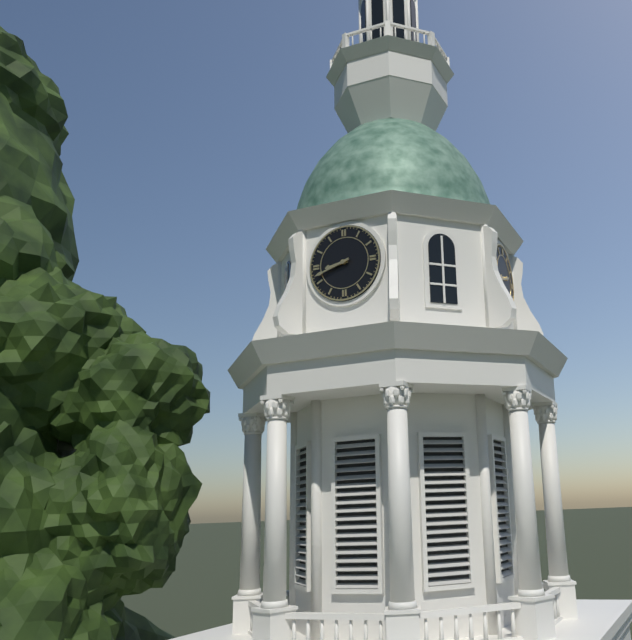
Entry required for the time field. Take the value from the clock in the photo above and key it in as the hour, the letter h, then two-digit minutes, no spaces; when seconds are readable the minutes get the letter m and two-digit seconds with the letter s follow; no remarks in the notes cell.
8h42
